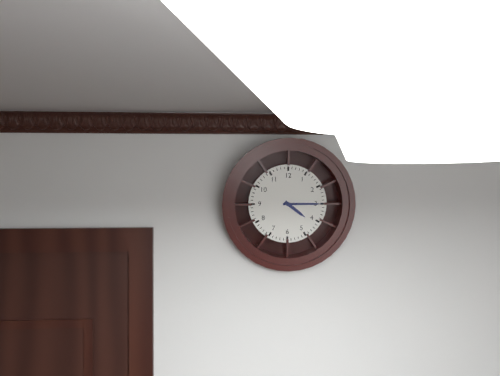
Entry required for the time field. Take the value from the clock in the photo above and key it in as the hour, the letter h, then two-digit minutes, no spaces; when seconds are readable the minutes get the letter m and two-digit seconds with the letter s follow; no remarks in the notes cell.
4h15
